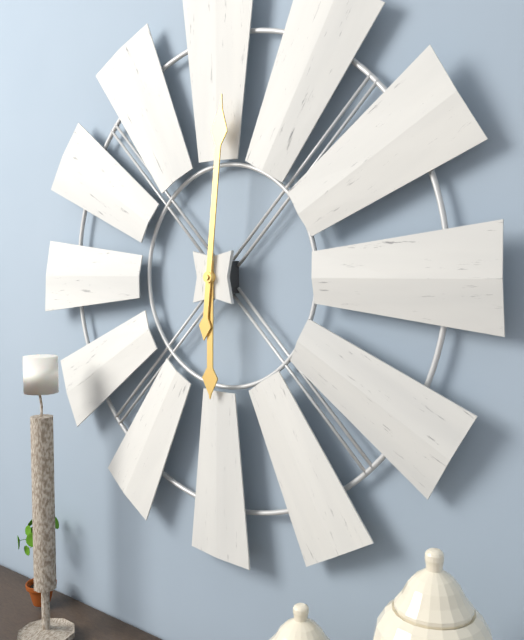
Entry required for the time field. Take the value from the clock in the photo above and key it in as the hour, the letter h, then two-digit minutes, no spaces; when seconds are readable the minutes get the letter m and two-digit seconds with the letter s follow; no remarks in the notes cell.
6h01
